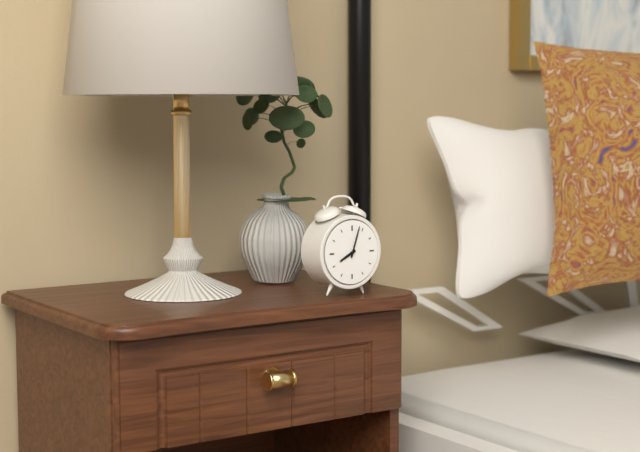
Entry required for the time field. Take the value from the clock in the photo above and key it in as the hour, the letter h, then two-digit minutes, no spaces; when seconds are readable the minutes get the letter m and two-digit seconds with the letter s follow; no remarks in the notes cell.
8h03
